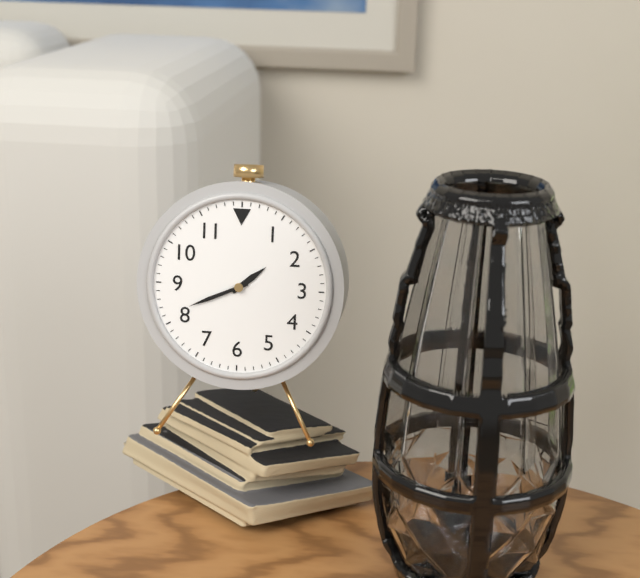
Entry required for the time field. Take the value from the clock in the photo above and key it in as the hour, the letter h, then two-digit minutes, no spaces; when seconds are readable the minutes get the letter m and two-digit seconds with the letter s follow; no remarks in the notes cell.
1h41
